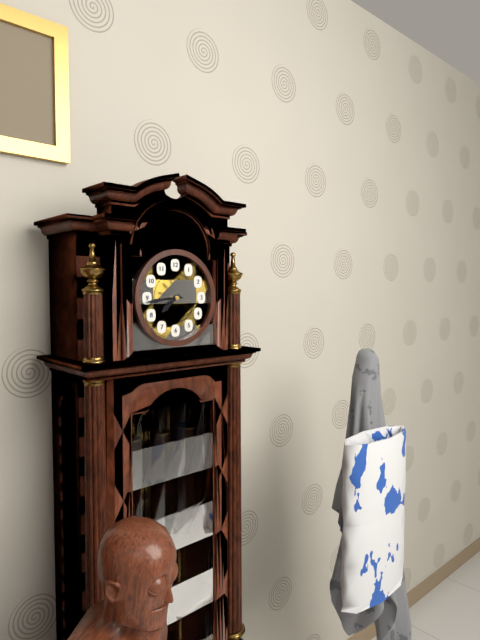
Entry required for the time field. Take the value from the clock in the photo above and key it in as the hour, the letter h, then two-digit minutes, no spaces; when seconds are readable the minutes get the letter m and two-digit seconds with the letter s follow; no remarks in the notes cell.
7h44
